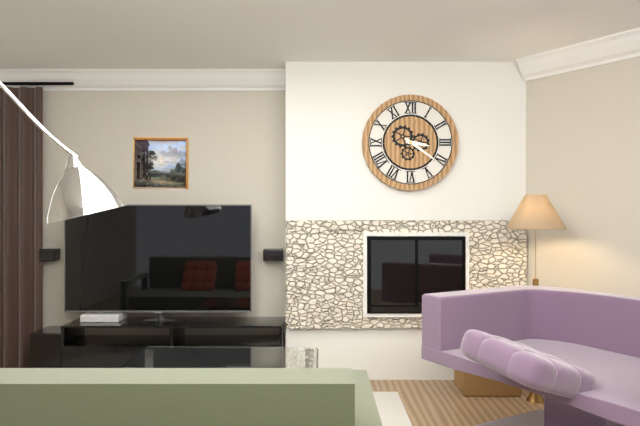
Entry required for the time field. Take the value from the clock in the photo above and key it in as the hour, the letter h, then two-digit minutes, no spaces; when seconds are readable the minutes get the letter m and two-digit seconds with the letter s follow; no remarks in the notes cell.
3h21
